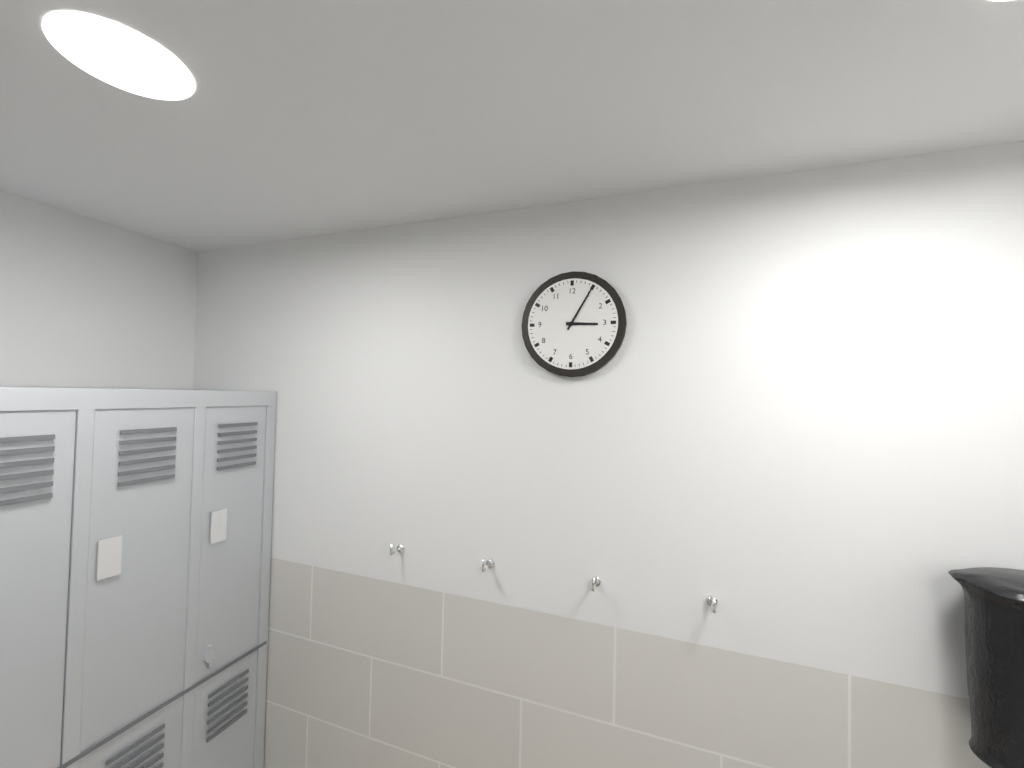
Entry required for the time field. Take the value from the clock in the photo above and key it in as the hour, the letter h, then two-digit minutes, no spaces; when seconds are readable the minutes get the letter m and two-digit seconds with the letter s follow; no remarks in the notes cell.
3h05
